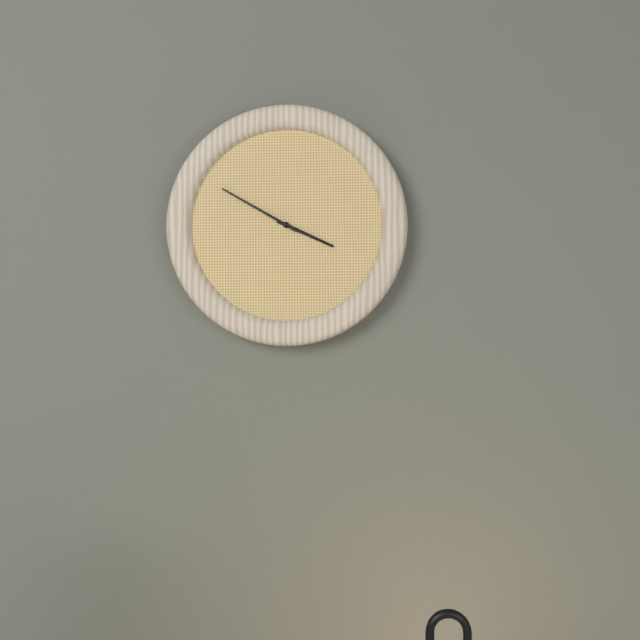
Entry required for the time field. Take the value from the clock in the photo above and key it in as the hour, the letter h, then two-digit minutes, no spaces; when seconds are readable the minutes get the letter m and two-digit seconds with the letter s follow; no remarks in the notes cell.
3h50
